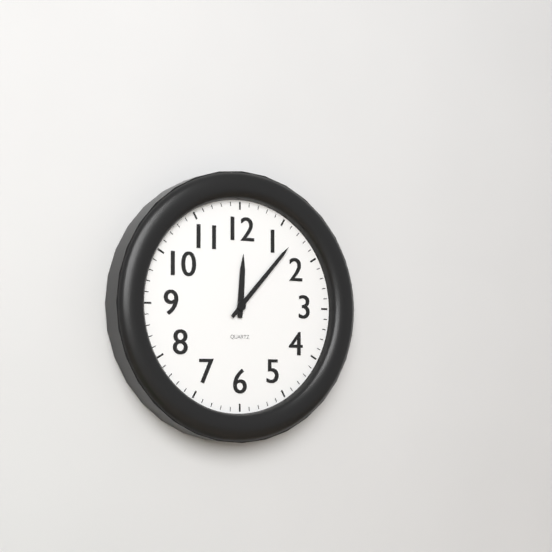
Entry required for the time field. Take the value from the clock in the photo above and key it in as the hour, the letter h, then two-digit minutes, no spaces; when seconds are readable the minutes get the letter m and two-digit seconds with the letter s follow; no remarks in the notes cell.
12h07
